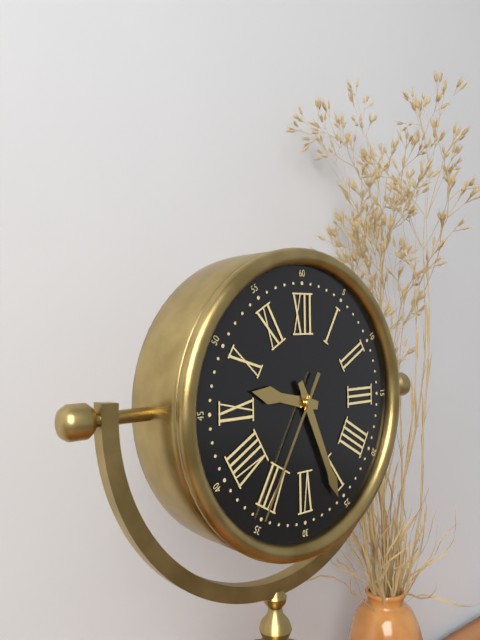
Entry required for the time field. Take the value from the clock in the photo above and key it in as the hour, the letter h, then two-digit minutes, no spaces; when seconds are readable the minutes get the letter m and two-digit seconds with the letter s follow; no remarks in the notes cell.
9h26m35s
